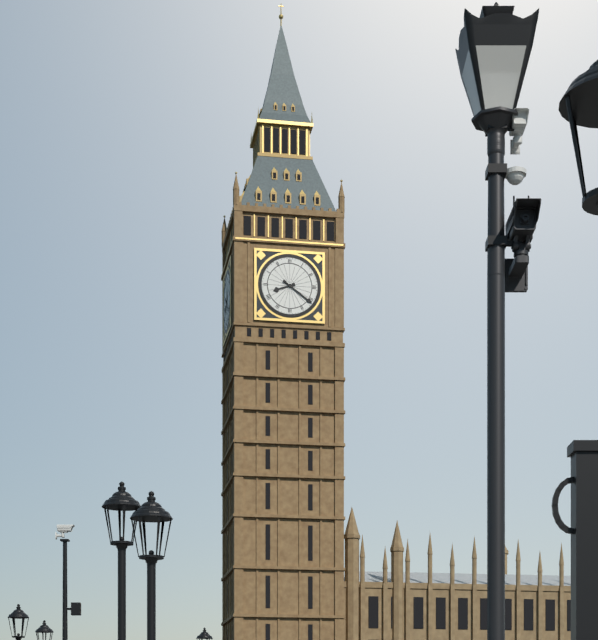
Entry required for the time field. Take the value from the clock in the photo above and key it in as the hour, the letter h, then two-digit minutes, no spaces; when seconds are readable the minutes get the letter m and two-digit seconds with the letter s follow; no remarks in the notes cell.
8h21
